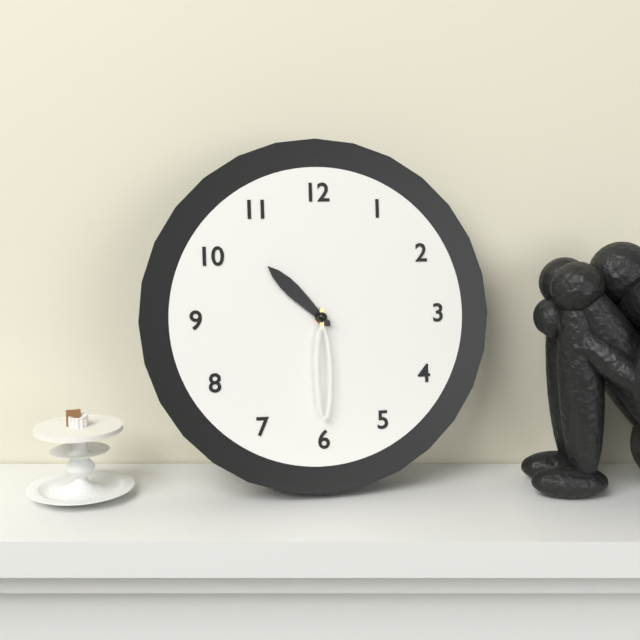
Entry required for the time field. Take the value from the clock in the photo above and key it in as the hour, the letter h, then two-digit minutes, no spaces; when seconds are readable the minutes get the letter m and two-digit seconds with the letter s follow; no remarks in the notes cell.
10h30
